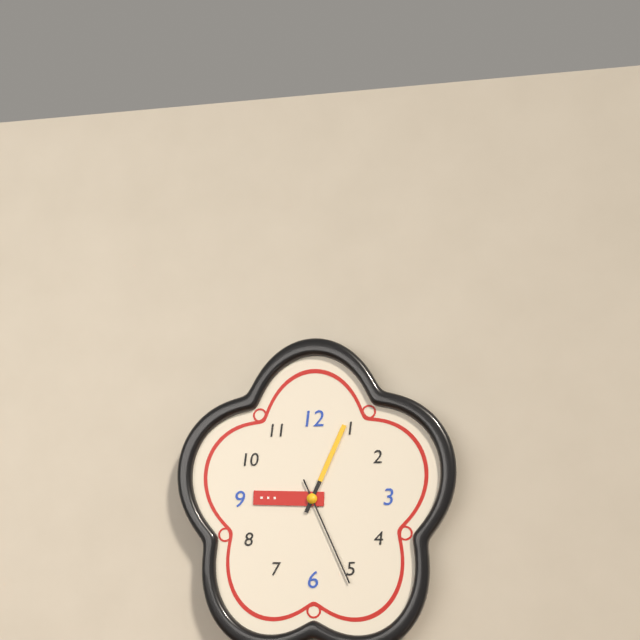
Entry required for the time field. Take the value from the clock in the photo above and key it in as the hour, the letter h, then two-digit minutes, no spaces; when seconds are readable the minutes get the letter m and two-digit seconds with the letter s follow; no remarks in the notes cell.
9h04m26s
